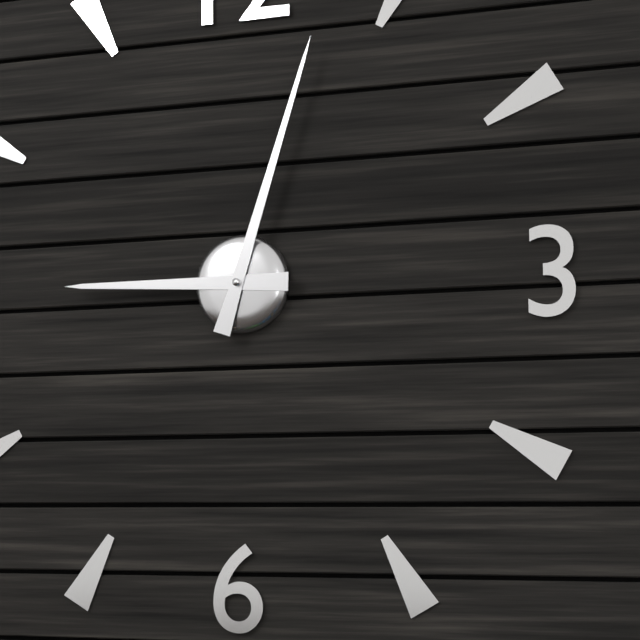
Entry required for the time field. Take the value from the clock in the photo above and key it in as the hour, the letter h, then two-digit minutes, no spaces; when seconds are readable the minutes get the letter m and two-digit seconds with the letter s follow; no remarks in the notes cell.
9h03
